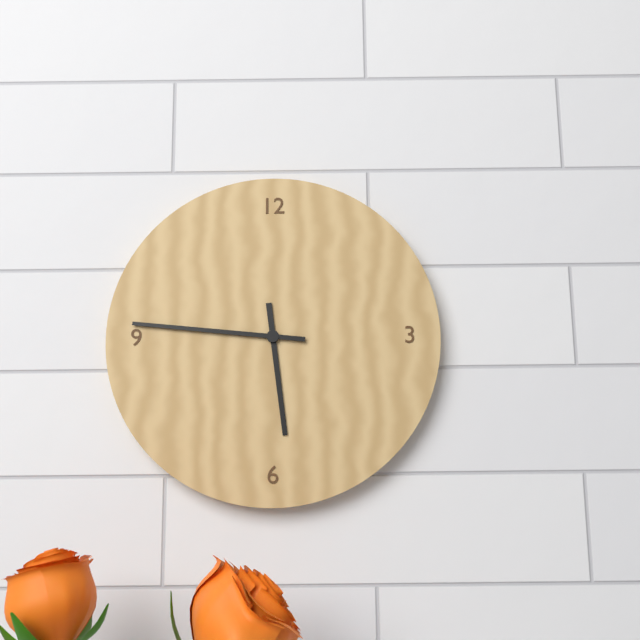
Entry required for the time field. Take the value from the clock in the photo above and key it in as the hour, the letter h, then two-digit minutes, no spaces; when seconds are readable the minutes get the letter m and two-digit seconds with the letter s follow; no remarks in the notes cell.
5h46
